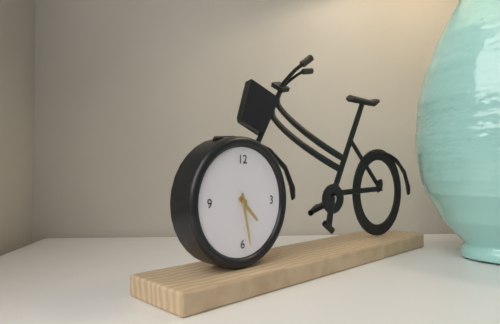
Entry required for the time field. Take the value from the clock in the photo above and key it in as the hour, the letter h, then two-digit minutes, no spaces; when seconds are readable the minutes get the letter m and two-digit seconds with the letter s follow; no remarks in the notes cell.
4h28
